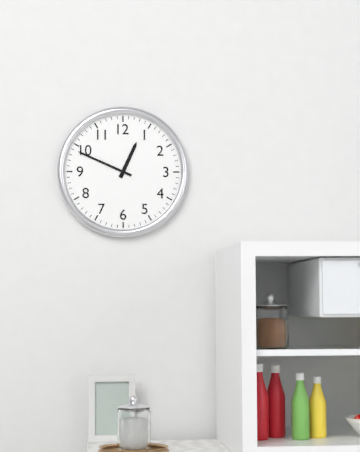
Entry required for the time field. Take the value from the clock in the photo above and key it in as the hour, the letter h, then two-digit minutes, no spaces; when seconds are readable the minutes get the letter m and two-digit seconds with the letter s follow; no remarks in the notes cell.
12h49
